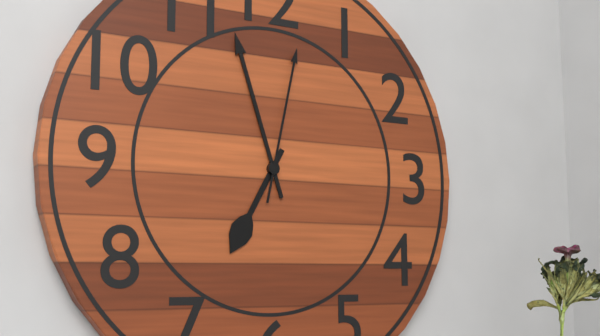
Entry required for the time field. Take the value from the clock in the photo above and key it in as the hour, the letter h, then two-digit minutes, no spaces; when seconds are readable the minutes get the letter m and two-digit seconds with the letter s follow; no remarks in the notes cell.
6h57m02s
